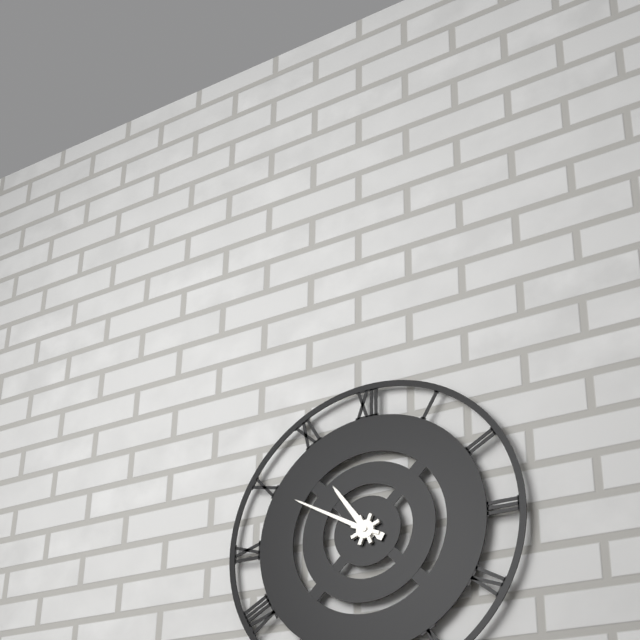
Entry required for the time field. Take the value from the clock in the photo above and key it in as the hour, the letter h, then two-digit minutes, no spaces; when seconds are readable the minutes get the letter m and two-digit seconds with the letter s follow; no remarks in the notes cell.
10h50
